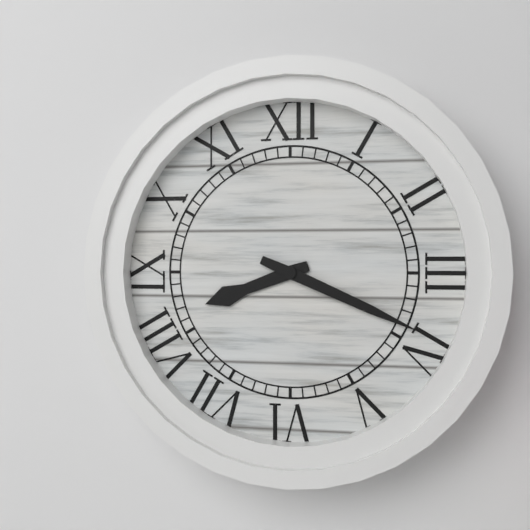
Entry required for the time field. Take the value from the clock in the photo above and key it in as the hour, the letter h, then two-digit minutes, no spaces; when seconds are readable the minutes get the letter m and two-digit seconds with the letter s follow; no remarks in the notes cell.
8h19
